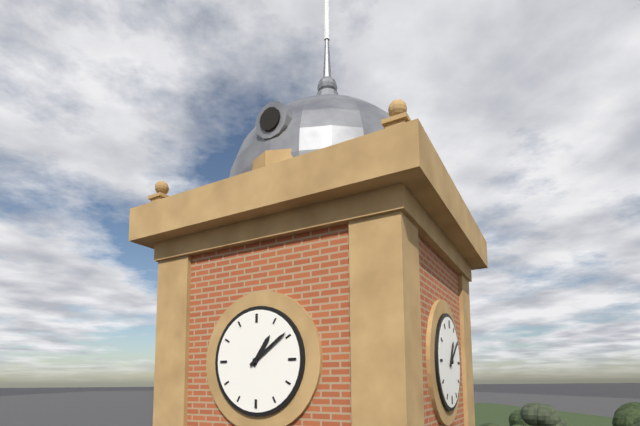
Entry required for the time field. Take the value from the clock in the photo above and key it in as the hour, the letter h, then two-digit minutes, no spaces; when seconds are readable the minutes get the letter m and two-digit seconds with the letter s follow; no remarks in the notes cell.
1h09
